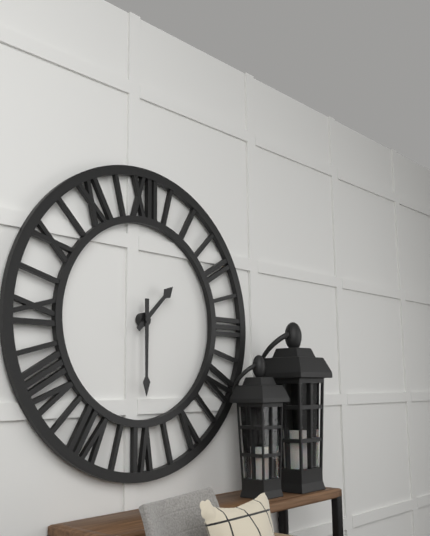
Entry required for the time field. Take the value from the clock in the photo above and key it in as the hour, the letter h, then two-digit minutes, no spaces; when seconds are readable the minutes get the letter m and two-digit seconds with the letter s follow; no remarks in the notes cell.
1h30
